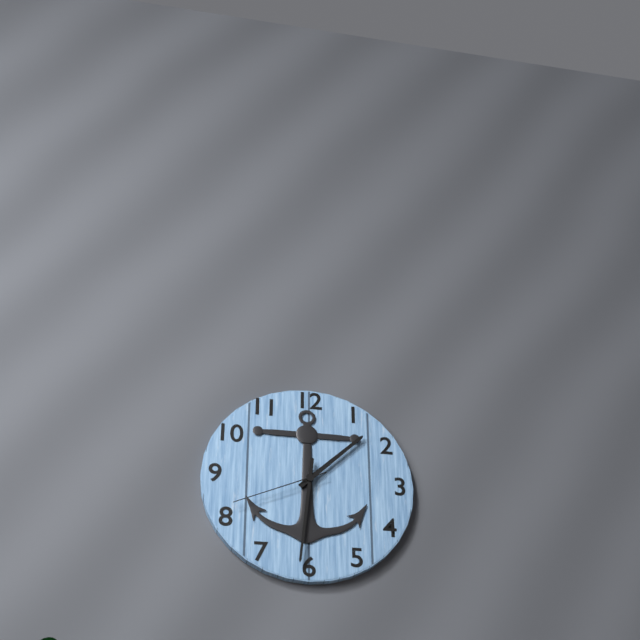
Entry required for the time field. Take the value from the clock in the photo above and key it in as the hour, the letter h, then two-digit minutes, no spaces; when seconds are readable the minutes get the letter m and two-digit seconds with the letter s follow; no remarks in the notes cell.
1h31m41s
